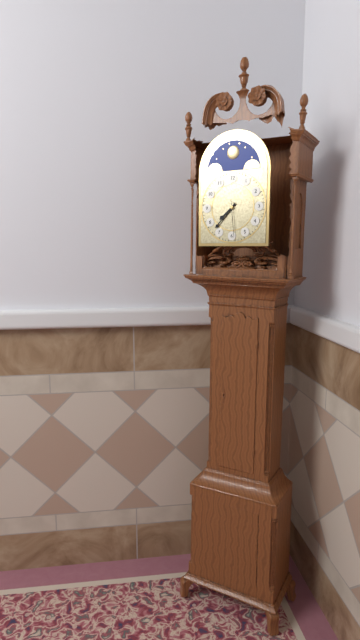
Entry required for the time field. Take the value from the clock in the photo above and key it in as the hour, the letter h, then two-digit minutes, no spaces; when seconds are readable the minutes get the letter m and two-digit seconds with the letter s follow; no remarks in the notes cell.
7h37
